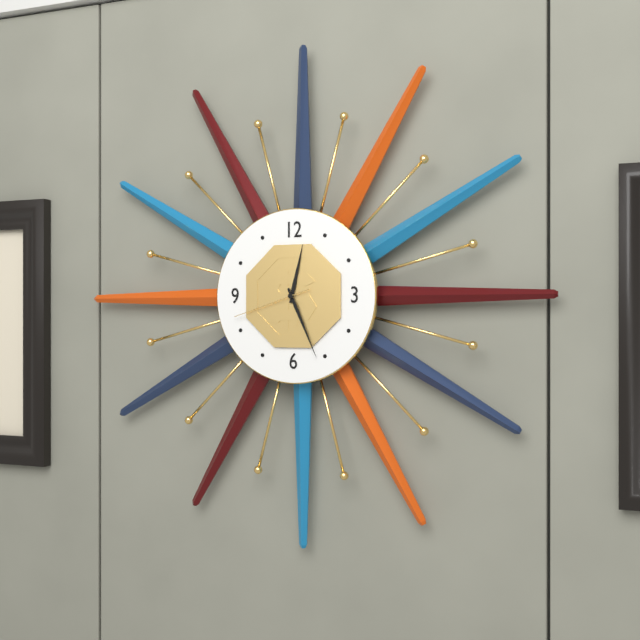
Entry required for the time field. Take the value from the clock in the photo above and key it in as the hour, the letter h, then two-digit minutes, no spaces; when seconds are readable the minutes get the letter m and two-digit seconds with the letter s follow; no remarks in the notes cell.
12h26m42s
